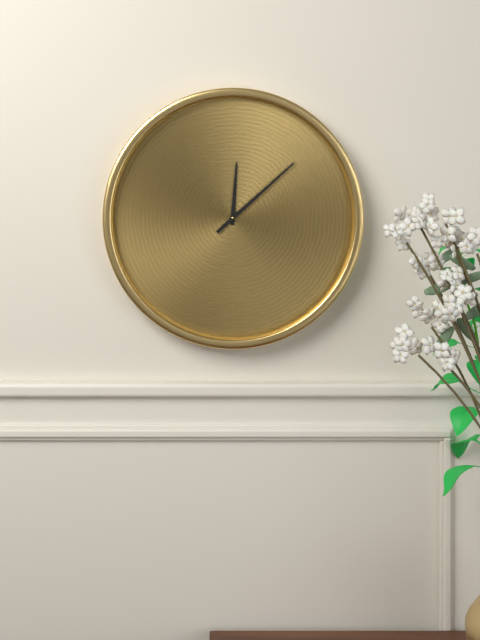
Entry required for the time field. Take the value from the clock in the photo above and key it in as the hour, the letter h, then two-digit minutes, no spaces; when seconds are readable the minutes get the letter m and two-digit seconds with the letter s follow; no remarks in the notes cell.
12h08
